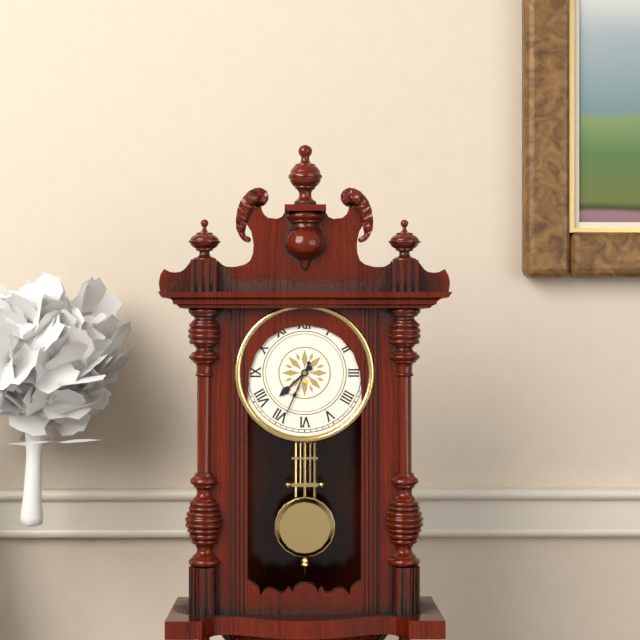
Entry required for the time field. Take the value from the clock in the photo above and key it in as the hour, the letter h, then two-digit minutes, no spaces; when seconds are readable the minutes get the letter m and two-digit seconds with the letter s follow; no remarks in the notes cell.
7h34
